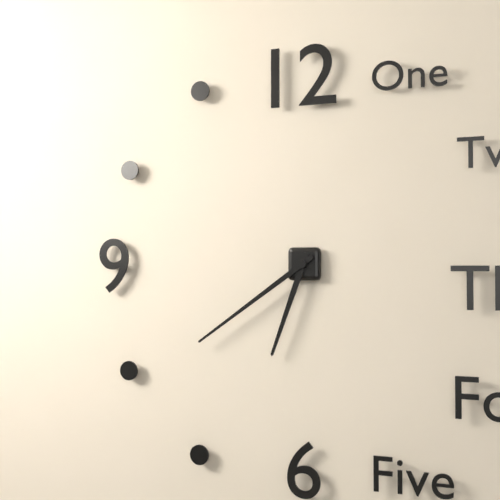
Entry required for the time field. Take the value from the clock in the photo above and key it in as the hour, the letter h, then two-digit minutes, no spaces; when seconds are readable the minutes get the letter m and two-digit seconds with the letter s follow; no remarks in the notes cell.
6h39
